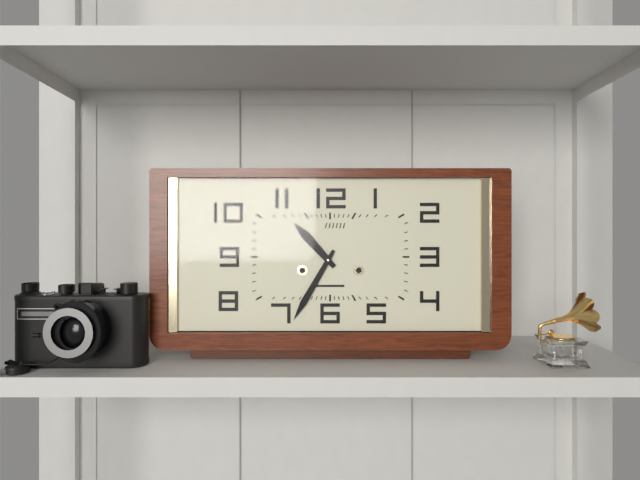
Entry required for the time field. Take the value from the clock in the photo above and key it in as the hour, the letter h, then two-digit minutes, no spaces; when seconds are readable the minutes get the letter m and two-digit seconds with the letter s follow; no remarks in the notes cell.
10h35
